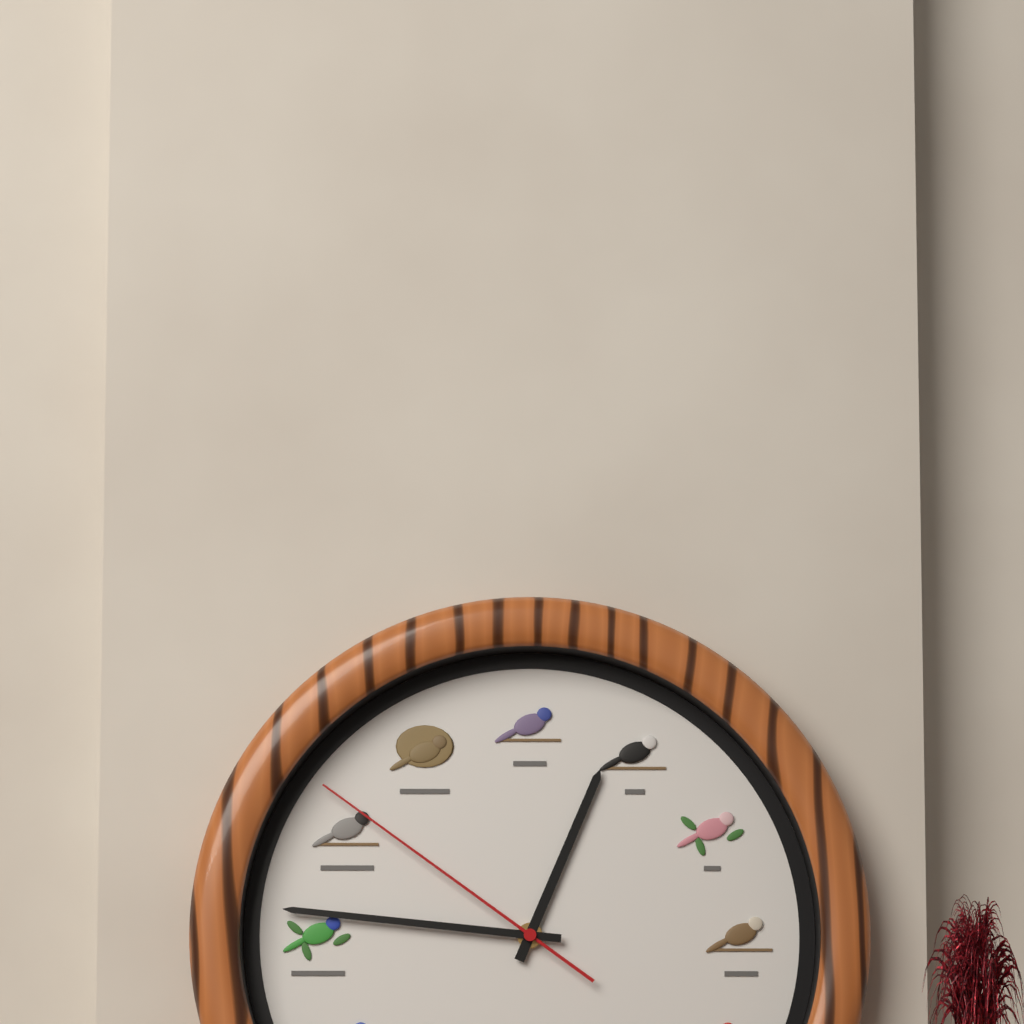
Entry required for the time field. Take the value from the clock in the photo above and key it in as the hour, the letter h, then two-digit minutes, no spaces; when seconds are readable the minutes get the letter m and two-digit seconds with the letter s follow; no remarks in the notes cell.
12h46m51s
